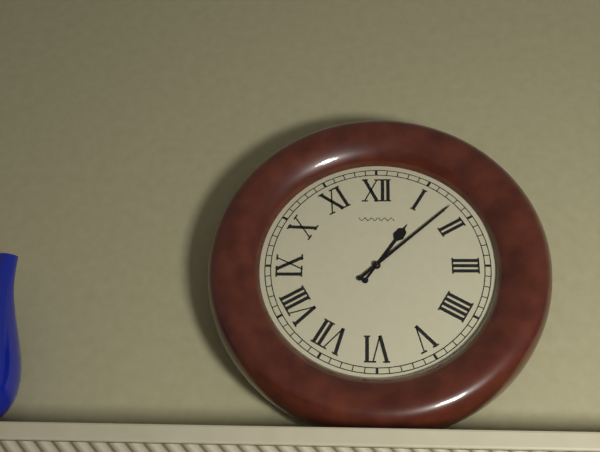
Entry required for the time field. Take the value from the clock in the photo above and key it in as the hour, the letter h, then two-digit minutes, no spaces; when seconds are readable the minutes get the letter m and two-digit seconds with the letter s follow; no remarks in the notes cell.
1h08
